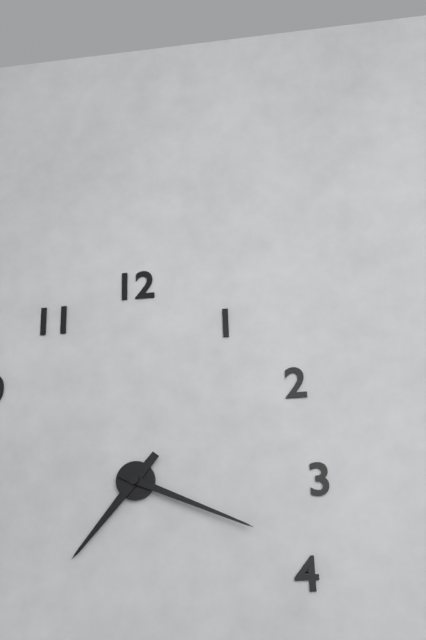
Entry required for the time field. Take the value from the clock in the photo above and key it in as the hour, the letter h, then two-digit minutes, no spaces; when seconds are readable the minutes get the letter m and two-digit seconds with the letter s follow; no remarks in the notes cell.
7h19
